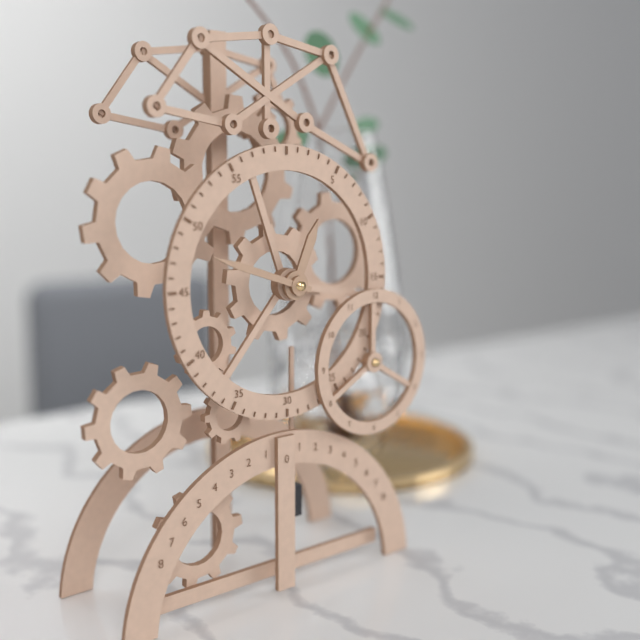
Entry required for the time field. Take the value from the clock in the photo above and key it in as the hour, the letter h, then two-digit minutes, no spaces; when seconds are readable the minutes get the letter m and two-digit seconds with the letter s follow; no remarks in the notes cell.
12h48
